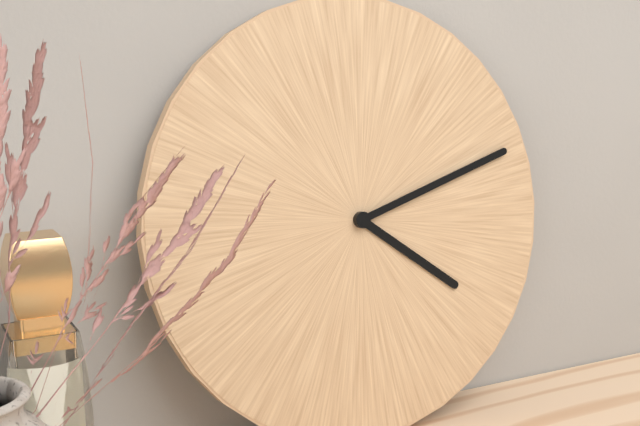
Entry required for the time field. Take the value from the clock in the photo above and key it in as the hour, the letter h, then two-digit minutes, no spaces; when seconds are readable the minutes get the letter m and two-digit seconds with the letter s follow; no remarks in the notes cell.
4h12
